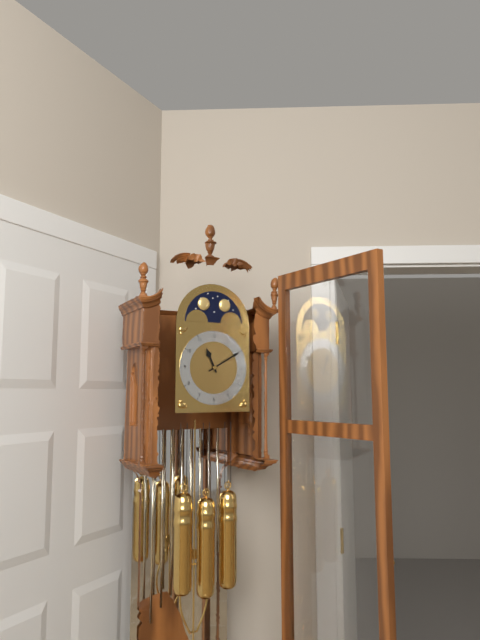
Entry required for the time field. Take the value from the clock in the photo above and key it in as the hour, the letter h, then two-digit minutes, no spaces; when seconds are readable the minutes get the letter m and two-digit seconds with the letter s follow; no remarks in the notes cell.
11h10
